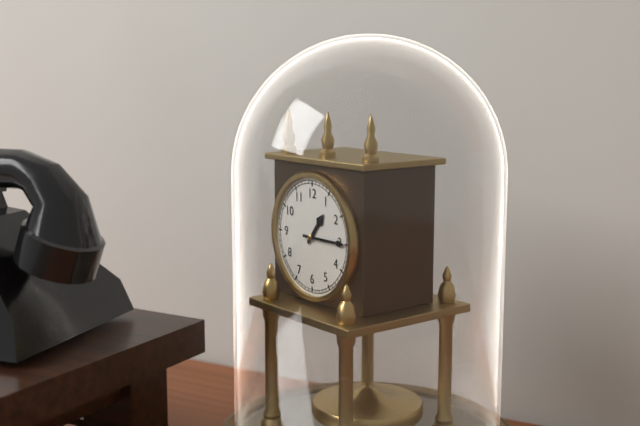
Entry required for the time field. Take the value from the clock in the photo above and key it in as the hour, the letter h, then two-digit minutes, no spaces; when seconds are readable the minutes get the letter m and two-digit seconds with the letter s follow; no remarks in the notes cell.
1h15
